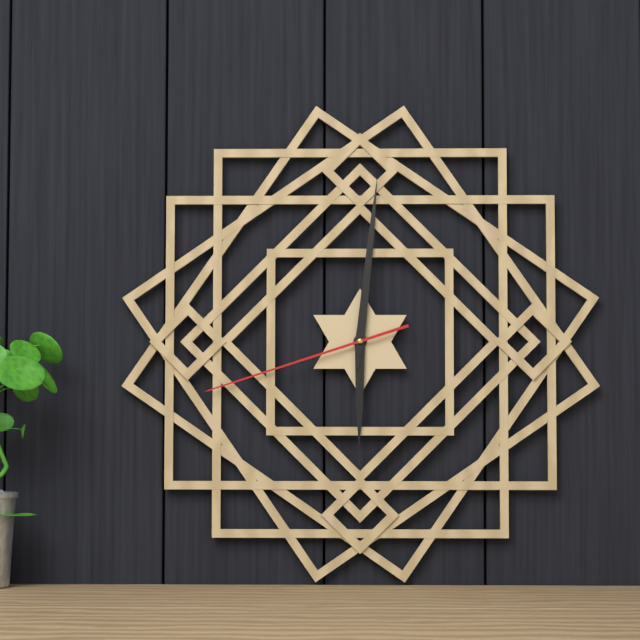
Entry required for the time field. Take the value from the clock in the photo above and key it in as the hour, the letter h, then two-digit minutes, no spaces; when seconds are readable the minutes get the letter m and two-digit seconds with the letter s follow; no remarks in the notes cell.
6h01m42s
